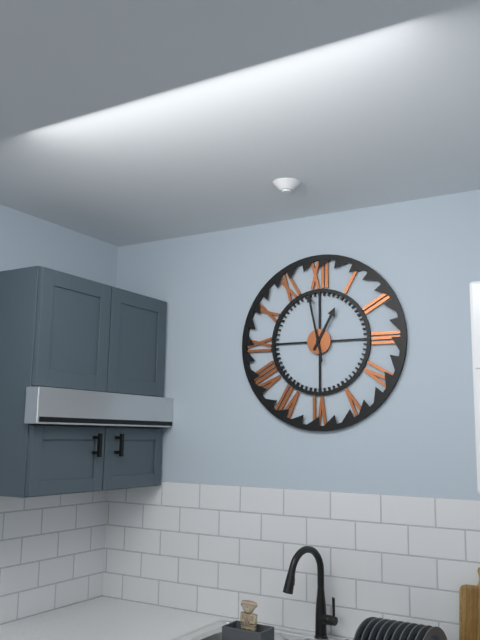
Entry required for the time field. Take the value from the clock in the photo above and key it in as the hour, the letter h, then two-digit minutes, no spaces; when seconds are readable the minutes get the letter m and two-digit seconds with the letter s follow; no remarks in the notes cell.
12h58
